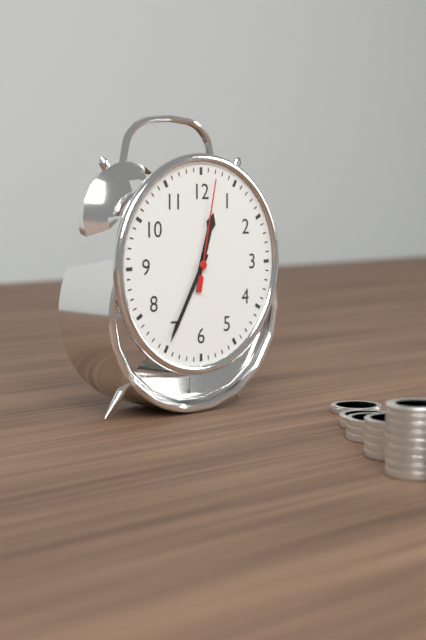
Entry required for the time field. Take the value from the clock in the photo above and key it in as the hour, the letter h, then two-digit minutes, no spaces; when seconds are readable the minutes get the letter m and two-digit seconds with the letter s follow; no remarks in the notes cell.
12h35m02s
